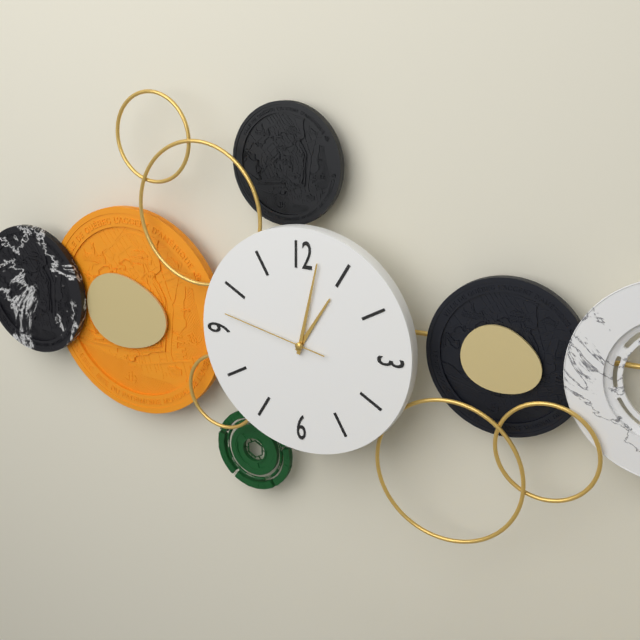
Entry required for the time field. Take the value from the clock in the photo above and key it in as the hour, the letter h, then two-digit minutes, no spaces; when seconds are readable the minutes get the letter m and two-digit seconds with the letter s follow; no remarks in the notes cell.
1h02m47s
